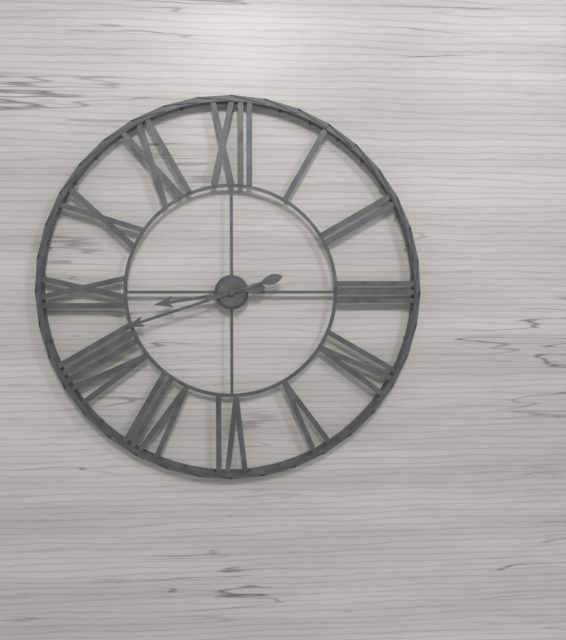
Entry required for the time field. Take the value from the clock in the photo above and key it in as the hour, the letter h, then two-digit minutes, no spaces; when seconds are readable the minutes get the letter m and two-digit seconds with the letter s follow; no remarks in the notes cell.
8h42
